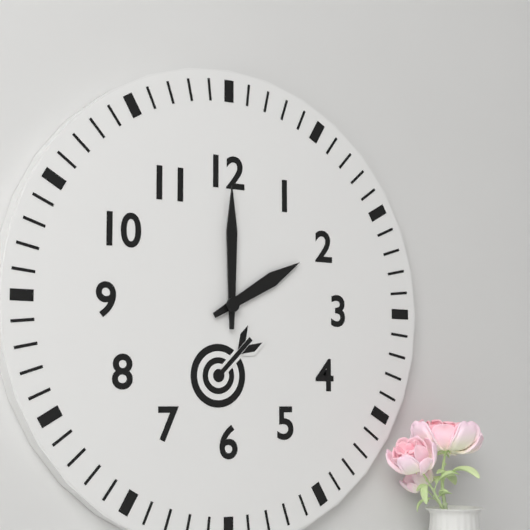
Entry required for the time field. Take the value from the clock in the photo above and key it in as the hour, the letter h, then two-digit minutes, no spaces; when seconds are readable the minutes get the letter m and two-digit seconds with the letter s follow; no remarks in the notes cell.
2h00
